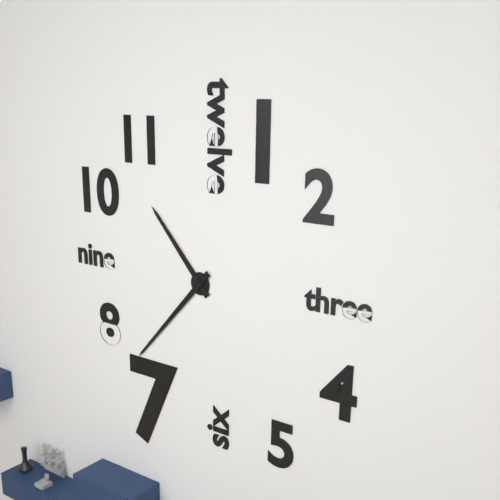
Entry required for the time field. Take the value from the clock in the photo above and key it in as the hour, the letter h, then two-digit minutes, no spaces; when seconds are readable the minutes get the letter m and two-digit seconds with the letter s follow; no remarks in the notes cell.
10h37
